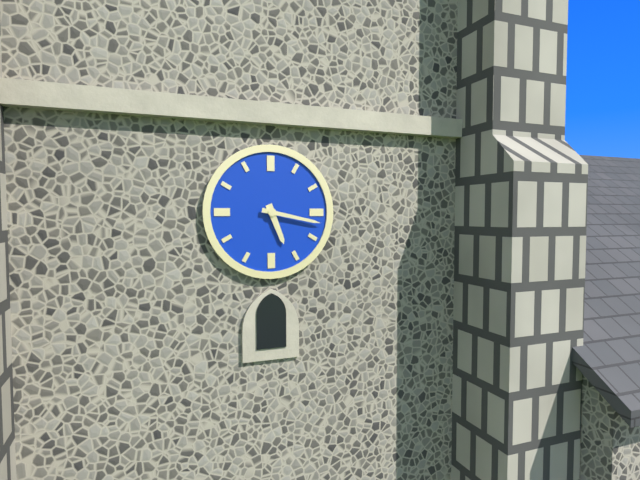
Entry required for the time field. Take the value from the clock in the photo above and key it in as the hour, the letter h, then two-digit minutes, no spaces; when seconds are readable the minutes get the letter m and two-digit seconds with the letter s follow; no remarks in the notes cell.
5h17
